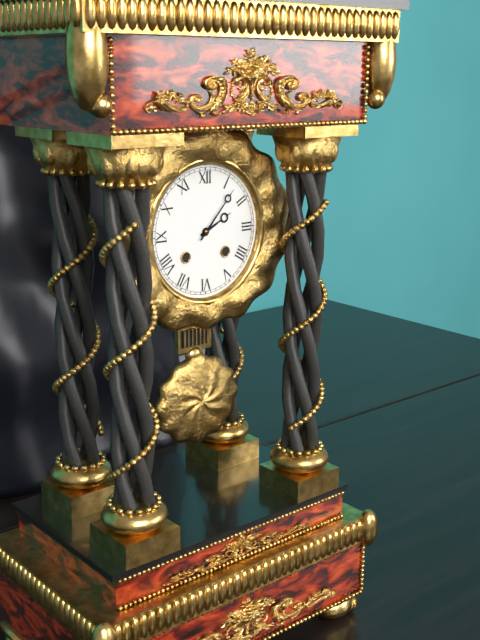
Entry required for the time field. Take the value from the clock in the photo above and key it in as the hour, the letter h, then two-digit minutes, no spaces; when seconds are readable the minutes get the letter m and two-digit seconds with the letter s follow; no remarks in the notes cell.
2h07
